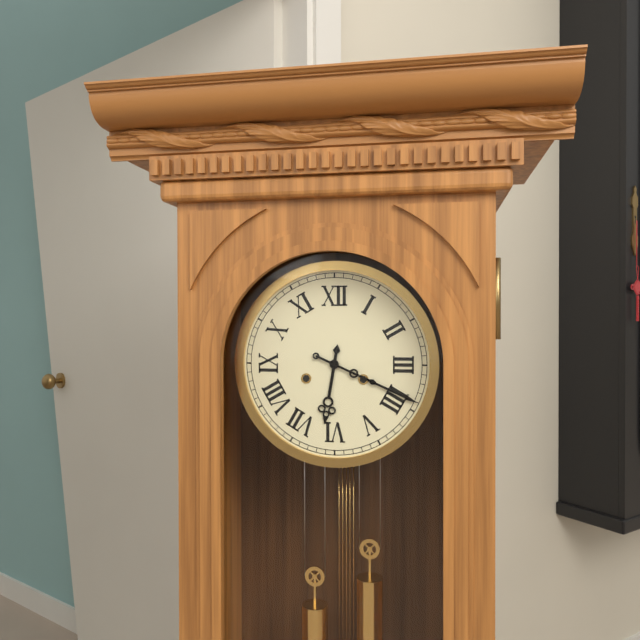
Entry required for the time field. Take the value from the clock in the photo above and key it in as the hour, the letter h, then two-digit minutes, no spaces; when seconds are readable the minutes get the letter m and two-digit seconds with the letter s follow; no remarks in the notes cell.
6h19
